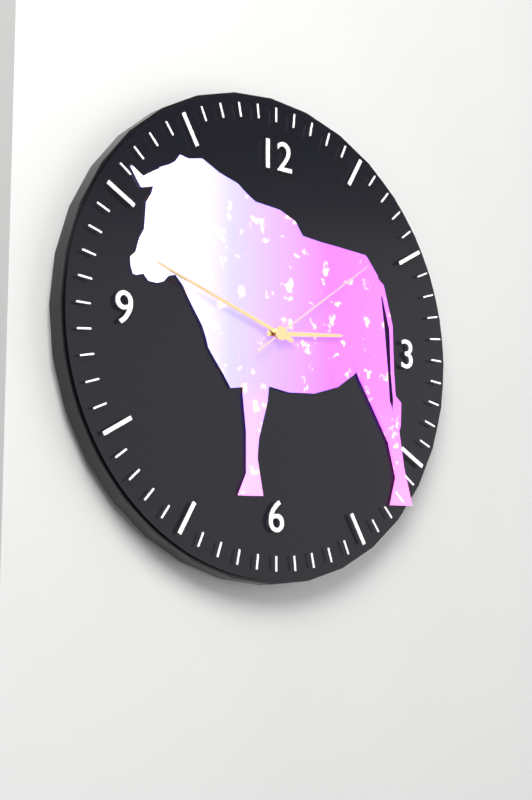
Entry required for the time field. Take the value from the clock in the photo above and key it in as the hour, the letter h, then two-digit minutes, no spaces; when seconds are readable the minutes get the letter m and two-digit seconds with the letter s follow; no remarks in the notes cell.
2h48m09s
